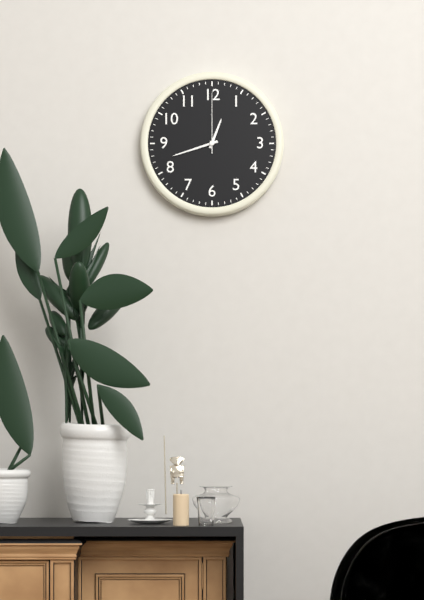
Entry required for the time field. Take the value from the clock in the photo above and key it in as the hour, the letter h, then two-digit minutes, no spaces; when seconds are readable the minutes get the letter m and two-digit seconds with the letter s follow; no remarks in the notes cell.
12h42m00s
